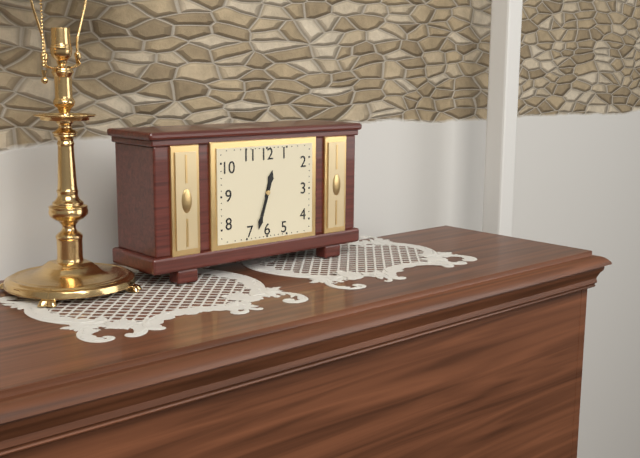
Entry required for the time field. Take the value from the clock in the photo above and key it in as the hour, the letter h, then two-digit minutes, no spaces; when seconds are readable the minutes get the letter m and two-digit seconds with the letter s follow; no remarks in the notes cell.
12h33
